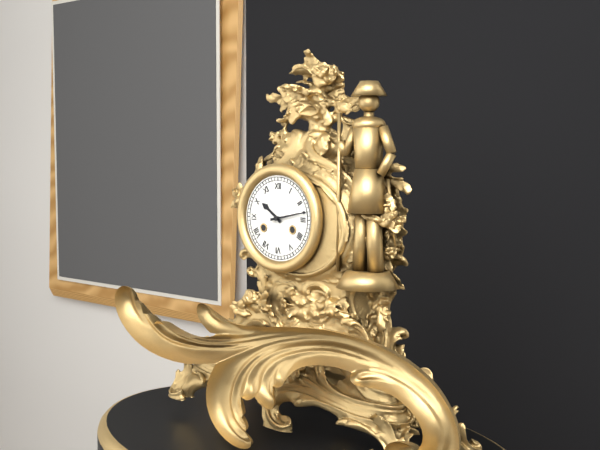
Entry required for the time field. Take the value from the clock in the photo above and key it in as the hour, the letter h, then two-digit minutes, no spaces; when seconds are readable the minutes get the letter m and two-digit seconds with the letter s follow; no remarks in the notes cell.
10h13
